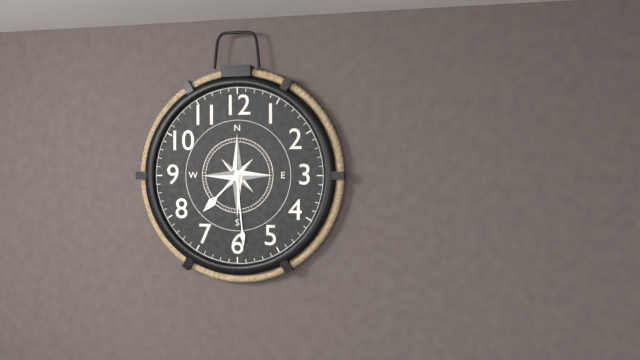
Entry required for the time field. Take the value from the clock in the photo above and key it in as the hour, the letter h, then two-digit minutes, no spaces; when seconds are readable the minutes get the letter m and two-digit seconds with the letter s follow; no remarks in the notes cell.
7h29
